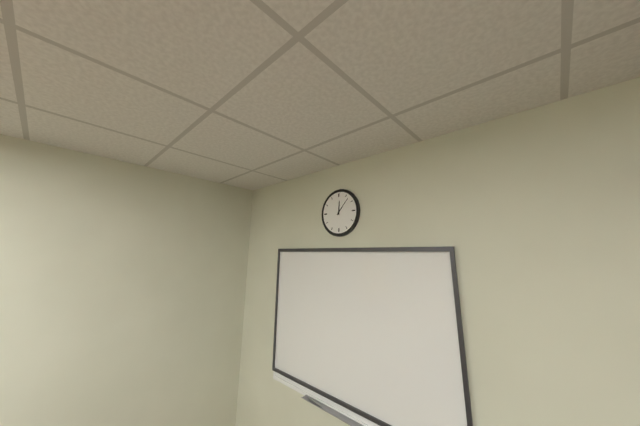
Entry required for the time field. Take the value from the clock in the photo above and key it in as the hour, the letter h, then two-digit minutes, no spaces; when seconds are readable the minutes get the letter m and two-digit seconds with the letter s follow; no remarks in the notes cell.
12h07
